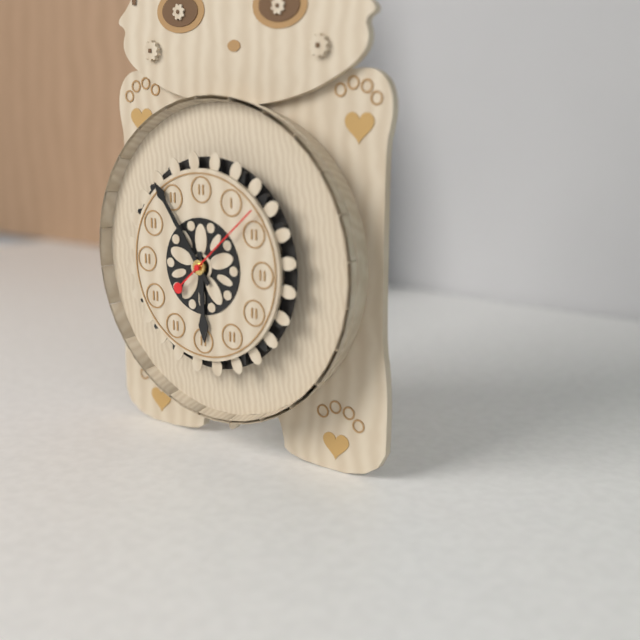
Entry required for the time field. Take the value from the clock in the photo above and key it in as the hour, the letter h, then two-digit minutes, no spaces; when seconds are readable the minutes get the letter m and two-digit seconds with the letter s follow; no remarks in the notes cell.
5h54m08s
